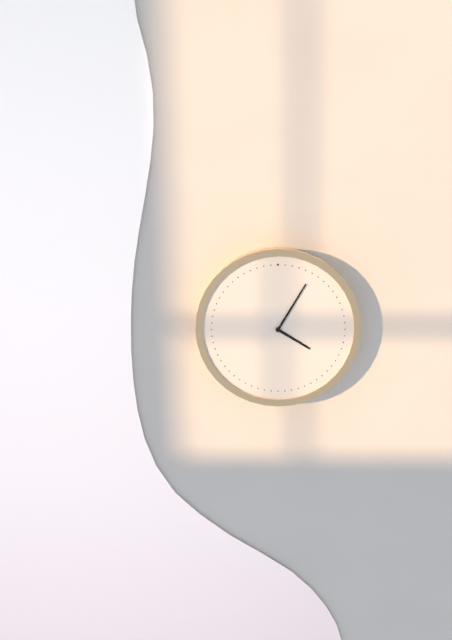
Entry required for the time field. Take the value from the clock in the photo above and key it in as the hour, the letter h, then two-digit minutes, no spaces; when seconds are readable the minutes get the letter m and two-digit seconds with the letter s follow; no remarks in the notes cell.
4h05
